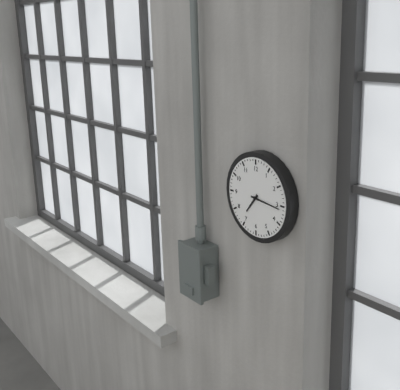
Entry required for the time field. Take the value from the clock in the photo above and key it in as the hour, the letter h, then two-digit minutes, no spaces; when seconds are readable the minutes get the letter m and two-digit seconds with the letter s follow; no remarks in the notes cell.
7h16
